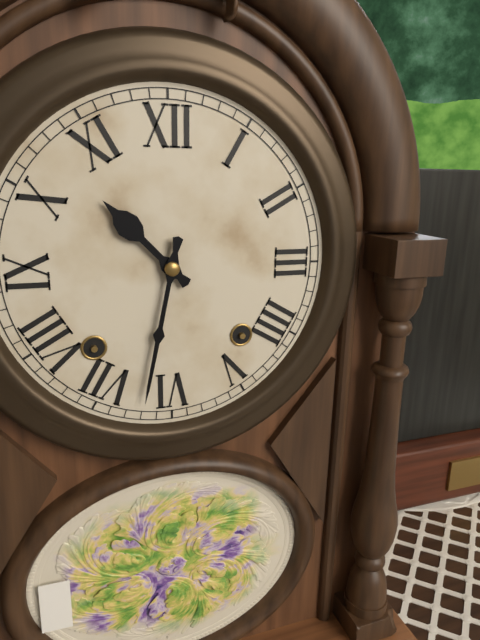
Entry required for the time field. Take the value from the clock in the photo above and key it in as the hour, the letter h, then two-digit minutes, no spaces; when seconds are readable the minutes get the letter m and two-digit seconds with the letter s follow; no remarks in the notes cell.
10h32
